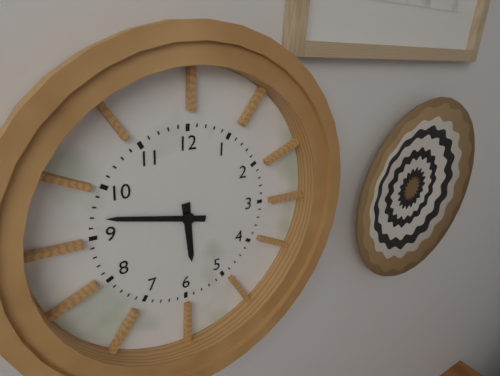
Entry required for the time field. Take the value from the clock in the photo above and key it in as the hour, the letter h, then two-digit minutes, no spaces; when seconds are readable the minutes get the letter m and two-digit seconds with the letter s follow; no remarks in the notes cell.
5h47
